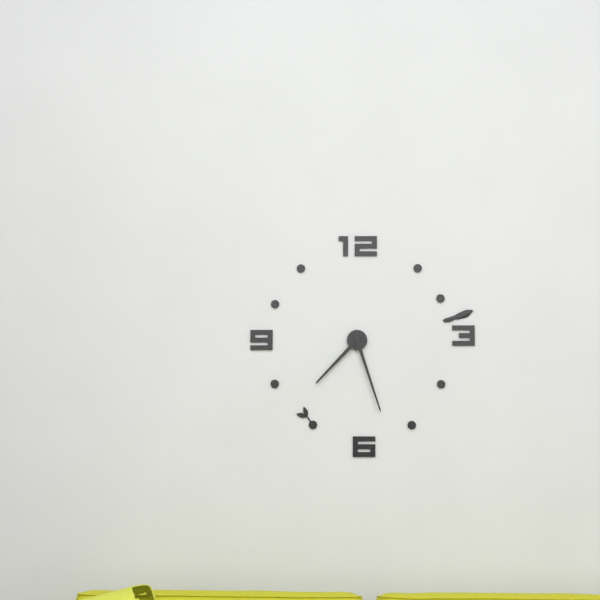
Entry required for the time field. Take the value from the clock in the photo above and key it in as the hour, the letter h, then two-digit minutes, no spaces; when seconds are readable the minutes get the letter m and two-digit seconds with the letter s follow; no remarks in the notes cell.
7h27
